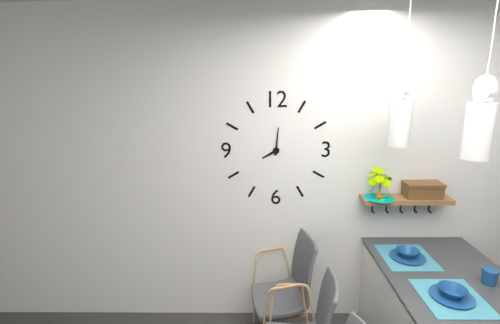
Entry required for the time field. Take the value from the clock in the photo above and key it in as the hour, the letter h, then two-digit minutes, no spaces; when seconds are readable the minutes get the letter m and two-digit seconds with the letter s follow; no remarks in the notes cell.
8h01
